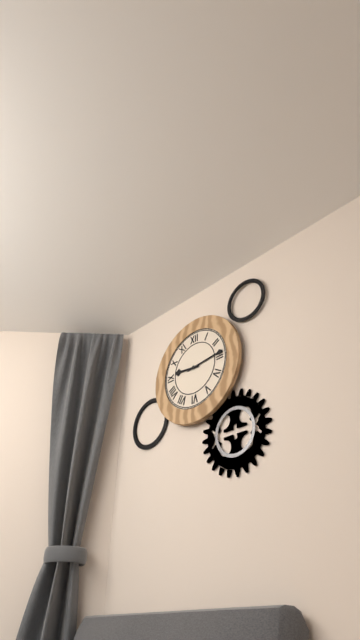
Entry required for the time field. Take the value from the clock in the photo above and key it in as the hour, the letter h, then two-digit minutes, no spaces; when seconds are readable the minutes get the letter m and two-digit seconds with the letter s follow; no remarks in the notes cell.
9h14
